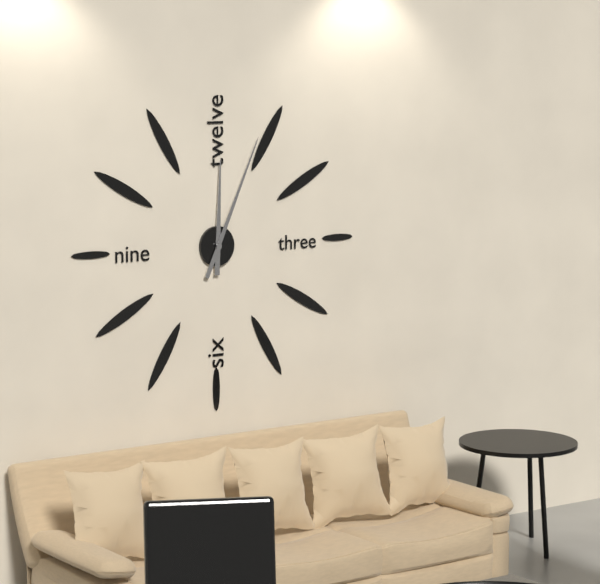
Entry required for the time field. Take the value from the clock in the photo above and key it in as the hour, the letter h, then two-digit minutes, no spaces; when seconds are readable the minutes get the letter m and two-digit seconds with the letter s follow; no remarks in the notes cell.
12h04
